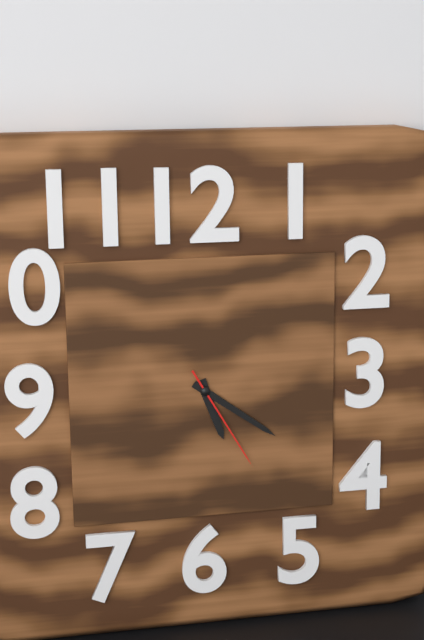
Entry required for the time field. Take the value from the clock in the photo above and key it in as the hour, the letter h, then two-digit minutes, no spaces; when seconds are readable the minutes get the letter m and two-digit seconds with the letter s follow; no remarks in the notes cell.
5h21m25s
